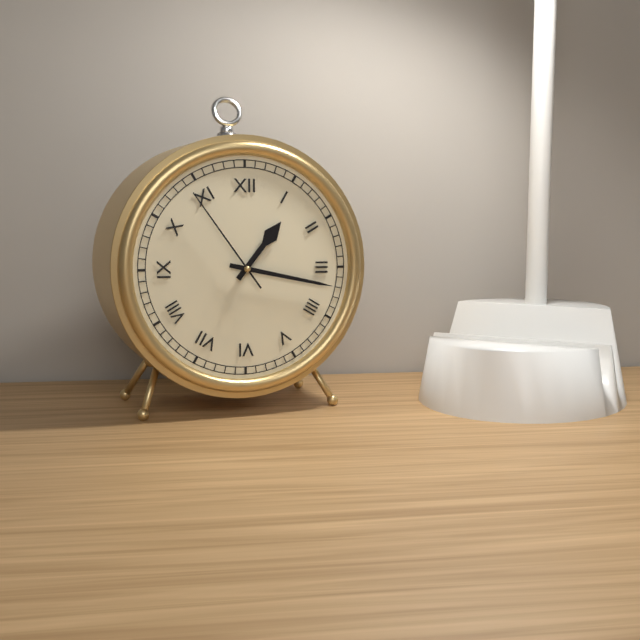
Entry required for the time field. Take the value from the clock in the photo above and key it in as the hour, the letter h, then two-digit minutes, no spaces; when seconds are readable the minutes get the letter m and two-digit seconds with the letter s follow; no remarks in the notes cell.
1h17m54s
